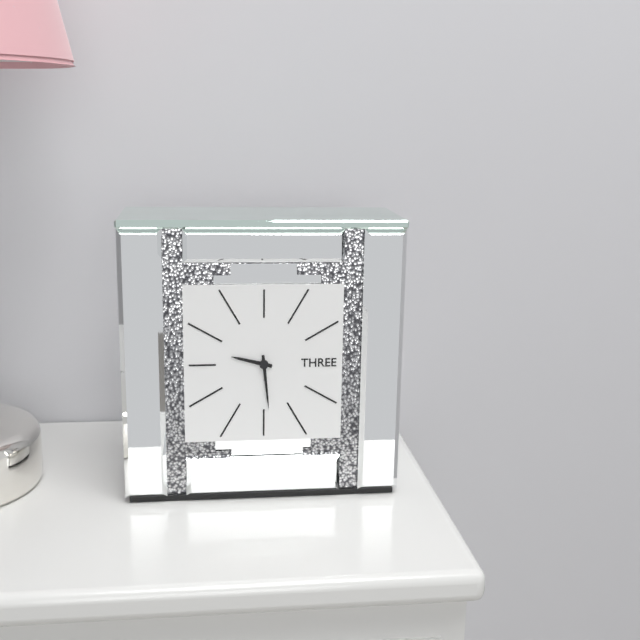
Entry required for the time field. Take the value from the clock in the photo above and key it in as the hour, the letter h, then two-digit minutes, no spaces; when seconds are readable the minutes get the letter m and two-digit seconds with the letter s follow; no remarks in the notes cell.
9h29
